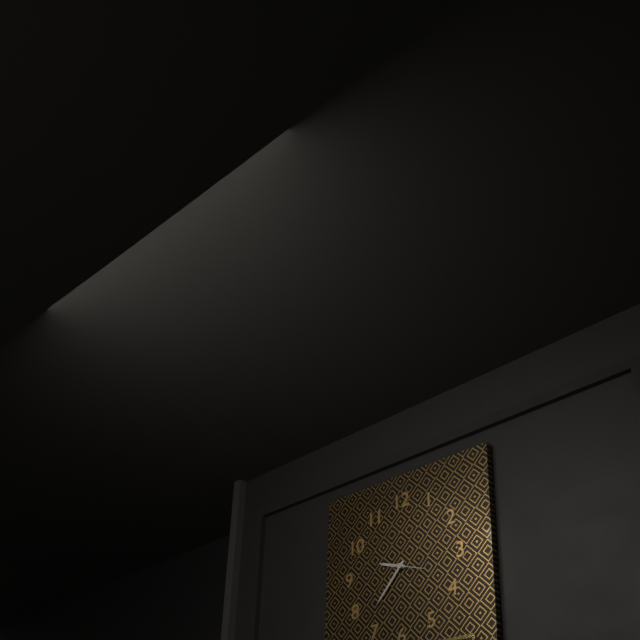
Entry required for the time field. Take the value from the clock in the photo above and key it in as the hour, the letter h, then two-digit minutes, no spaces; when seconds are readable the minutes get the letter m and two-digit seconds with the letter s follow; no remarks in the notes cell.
9h37
